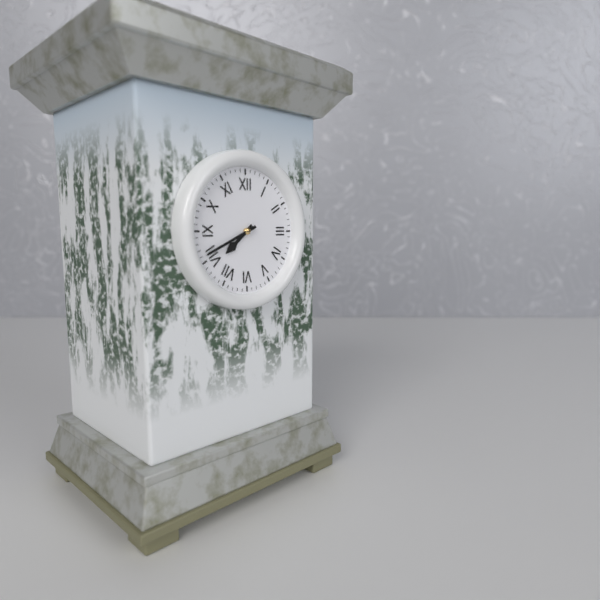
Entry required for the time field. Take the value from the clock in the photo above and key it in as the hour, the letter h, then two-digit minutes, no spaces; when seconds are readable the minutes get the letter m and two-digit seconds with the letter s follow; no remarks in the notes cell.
7h41
